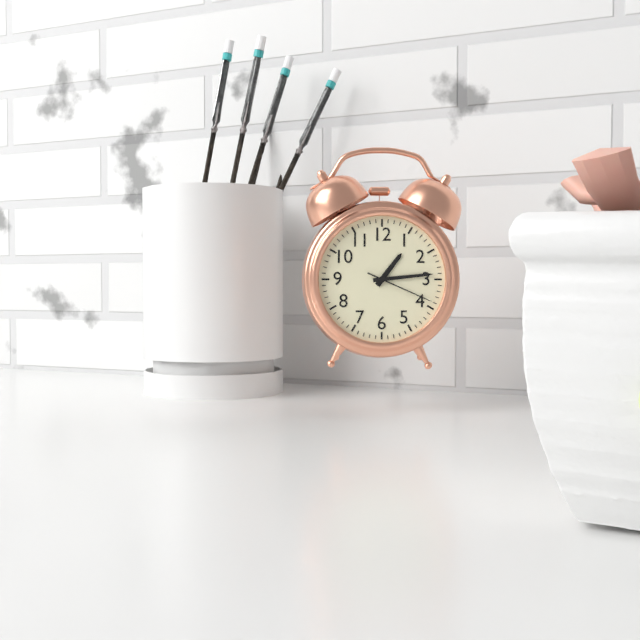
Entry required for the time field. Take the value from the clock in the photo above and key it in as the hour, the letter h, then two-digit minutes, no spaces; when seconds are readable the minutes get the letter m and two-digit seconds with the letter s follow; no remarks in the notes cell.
1h14m19s
